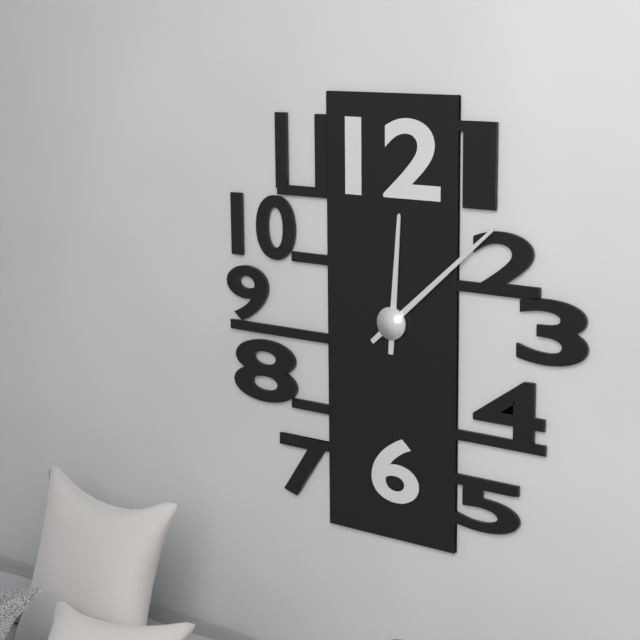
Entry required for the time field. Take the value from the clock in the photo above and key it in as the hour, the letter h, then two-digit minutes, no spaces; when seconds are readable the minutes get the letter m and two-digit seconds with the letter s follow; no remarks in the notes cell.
12h08
